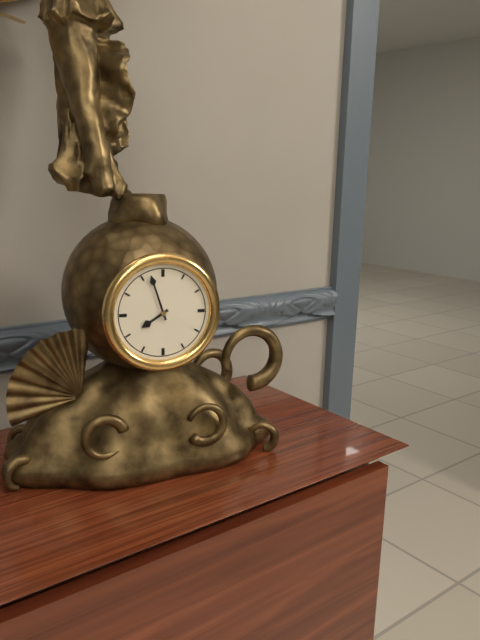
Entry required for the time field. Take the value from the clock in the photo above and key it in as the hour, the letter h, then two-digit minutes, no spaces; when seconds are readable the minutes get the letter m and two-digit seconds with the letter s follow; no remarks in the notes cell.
7h57
